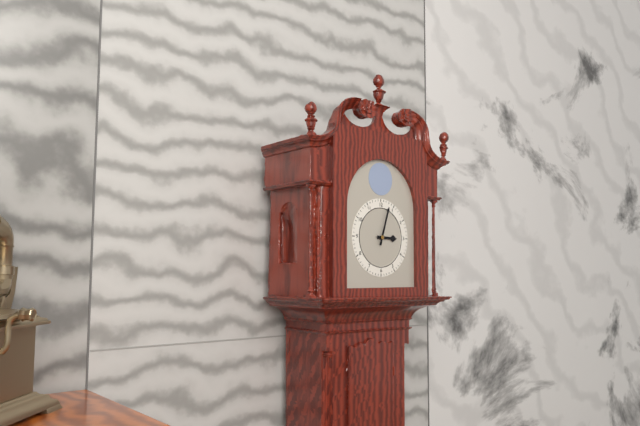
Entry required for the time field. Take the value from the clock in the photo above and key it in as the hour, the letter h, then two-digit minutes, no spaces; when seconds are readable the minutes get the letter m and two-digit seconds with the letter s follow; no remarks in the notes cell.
3h03
